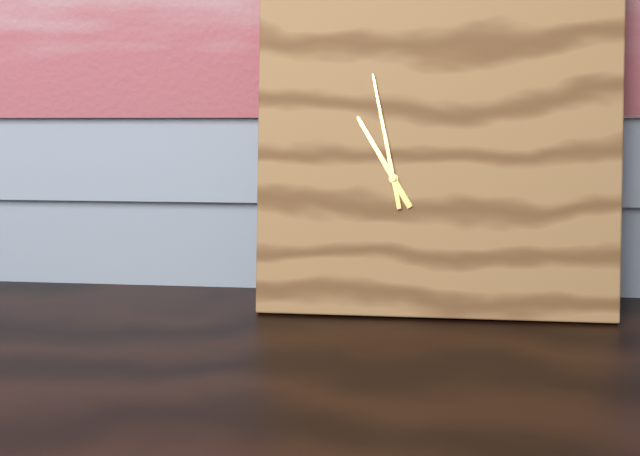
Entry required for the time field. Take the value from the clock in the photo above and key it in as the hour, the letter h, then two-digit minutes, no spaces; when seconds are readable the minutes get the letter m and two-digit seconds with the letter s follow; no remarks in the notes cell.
10h58
